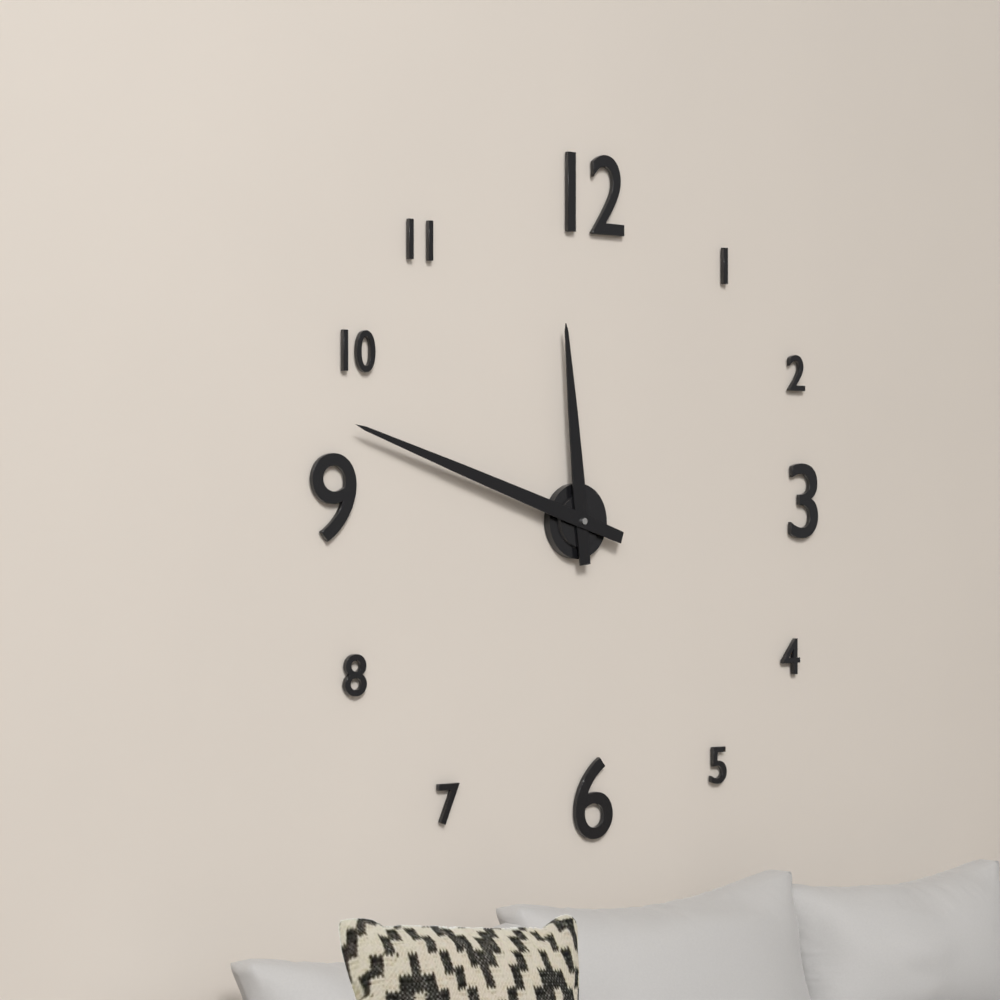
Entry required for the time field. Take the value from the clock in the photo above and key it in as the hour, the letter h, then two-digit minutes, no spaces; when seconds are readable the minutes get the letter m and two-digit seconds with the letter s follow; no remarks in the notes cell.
11h48
